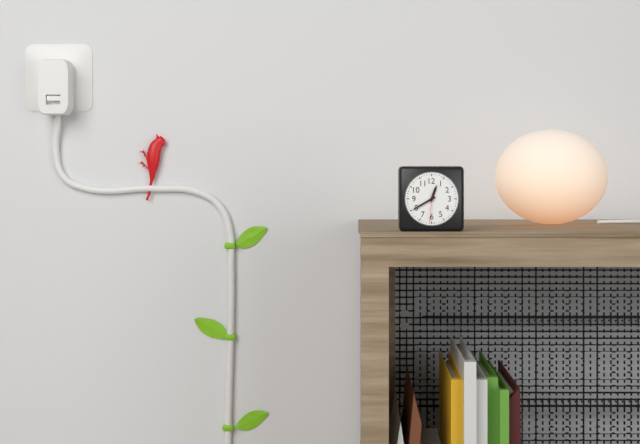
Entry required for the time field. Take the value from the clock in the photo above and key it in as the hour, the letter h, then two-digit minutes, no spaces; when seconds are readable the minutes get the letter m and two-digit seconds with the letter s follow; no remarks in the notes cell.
12h40
